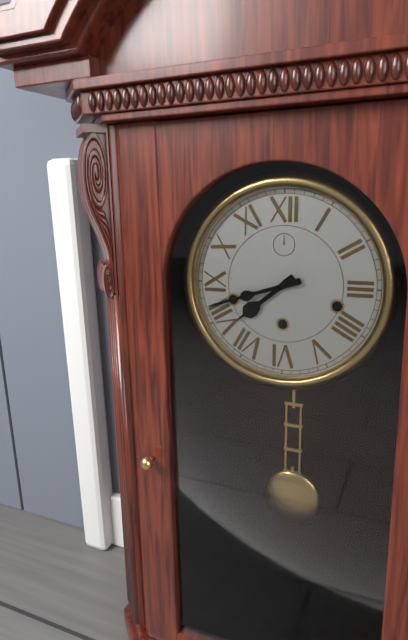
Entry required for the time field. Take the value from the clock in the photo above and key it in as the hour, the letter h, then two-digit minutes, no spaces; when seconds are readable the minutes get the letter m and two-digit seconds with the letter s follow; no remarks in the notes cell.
7h42
